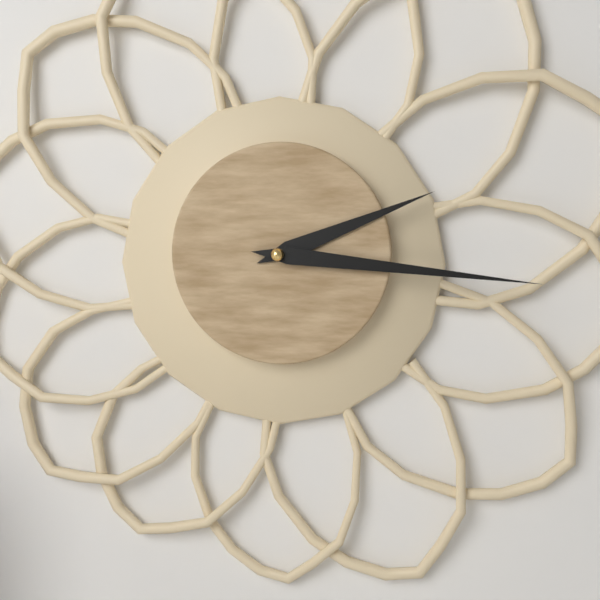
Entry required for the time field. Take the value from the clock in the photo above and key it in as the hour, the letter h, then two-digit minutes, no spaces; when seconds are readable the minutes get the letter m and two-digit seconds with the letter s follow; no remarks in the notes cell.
2h16
